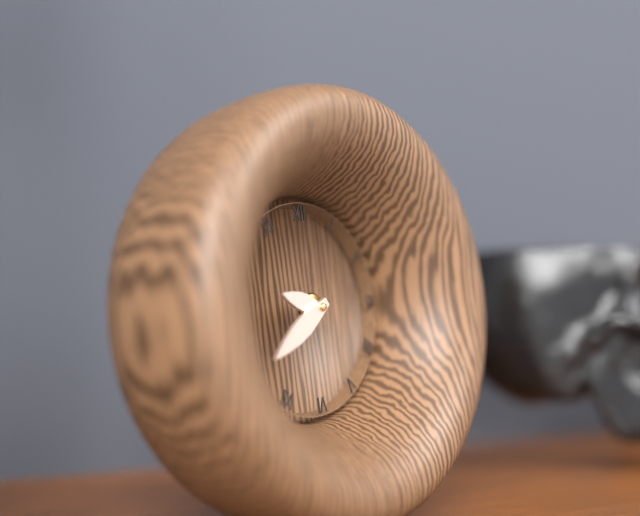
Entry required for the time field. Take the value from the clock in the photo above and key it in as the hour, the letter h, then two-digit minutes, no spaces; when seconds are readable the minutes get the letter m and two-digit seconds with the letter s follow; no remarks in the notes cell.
9h40
